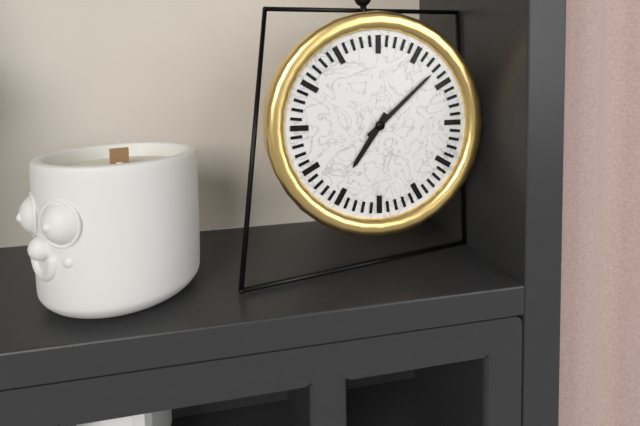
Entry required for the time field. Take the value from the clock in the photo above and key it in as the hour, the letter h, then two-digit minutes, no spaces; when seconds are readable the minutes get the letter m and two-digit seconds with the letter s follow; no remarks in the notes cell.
7h08
